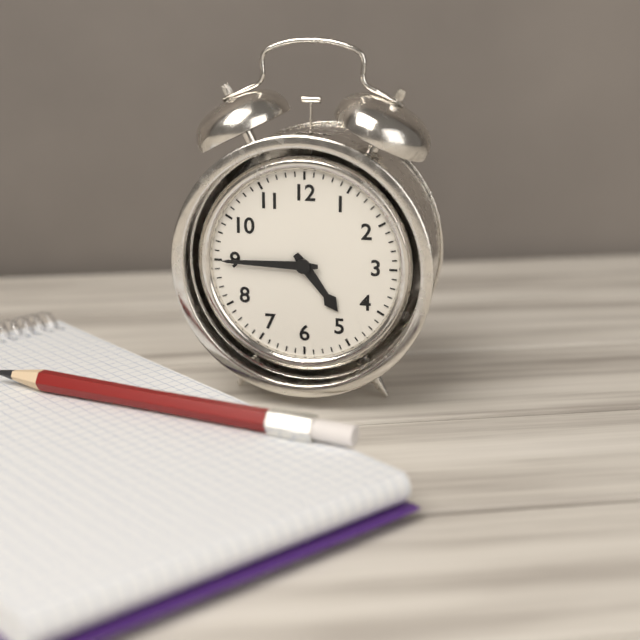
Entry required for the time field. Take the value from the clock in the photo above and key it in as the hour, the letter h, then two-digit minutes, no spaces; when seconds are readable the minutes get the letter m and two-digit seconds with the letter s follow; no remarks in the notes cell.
4h45
